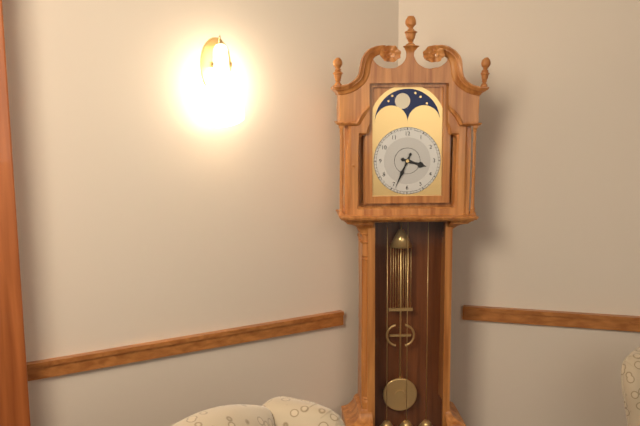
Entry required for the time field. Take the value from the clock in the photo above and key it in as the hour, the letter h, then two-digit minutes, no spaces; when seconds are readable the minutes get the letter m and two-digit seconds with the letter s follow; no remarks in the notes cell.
3h34
